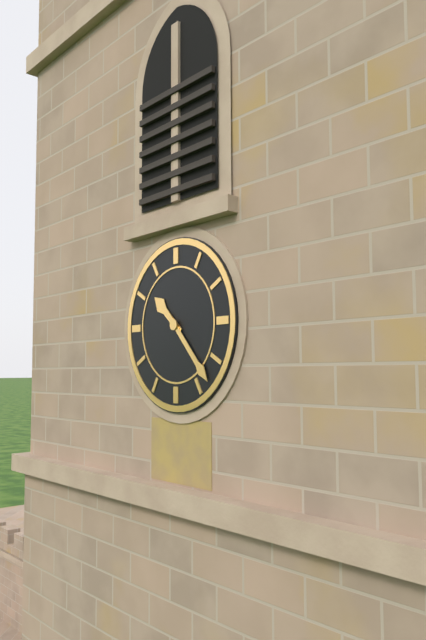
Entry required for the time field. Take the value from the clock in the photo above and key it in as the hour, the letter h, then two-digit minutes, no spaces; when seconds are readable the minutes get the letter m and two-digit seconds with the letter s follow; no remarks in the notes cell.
10h23
